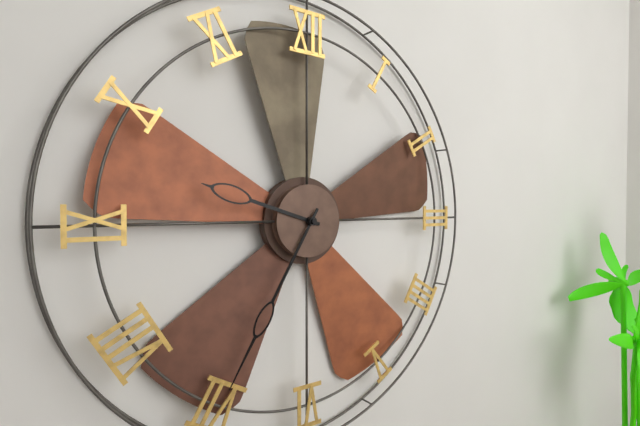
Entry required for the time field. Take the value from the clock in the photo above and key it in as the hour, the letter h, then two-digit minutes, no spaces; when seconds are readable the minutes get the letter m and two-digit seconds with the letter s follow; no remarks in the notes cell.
9h35
